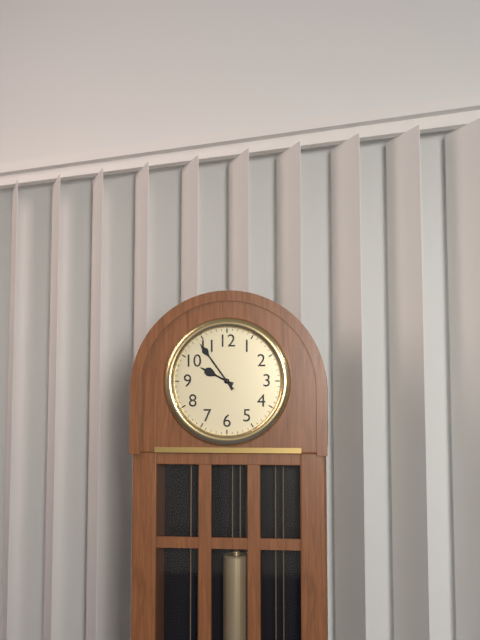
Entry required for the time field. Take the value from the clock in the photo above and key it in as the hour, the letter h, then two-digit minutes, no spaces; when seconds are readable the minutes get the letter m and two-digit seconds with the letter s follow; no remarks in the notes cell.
9h54
